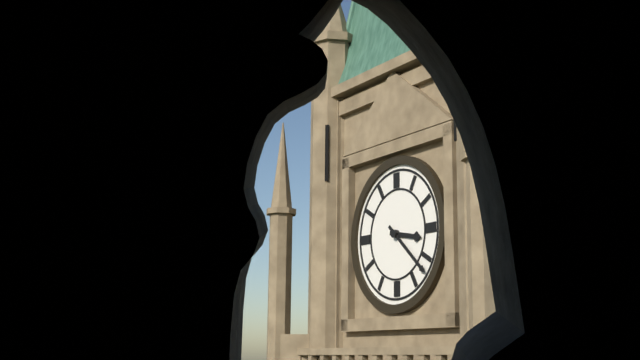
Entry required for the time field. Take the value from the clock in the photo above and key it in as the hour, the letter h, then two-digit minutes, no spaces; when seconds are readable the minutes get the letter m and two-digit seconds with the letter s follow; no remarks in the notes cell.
3h22
